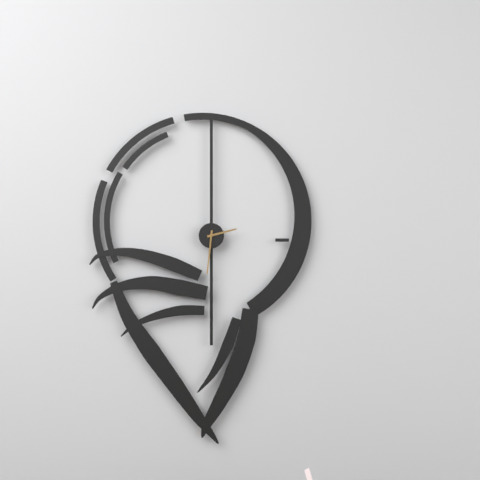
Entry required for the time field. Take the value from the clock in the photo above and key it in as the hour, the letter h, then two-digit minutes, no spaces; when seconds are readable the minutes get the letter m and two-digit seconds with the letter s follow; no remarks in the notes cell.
2h31
